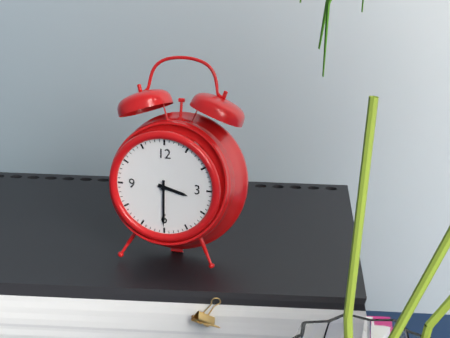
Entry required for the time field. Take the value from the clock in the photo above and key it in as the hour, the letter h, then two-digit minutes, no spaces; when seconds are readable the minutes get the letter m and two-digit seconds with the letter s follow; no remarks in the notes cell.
3h30
